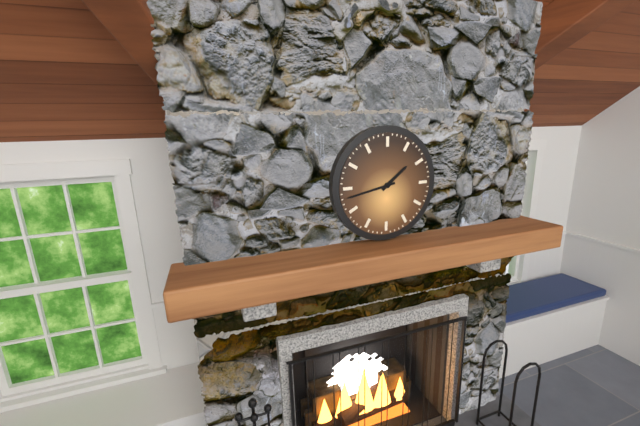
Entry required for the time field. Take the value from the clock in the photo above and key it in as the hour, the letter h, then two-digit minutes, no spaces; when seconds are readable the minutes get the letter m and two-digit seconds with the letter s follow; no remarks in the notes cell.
1h43
